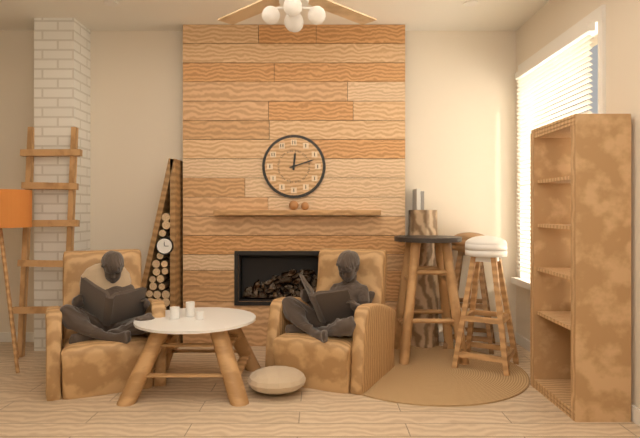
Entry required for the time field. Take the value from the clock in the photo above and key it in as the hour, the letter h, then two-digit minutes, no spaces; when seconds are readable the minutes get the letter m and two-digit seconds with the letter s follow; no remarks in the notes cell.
12h12
